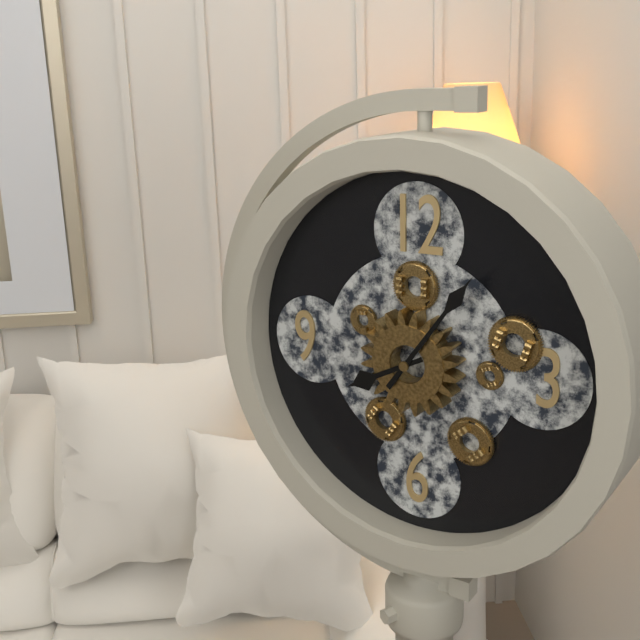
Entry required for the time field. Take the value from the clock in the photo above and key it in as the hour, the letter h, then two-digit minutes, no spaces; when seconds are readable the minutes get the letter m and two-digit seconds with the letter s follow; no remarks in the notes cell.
8h06
